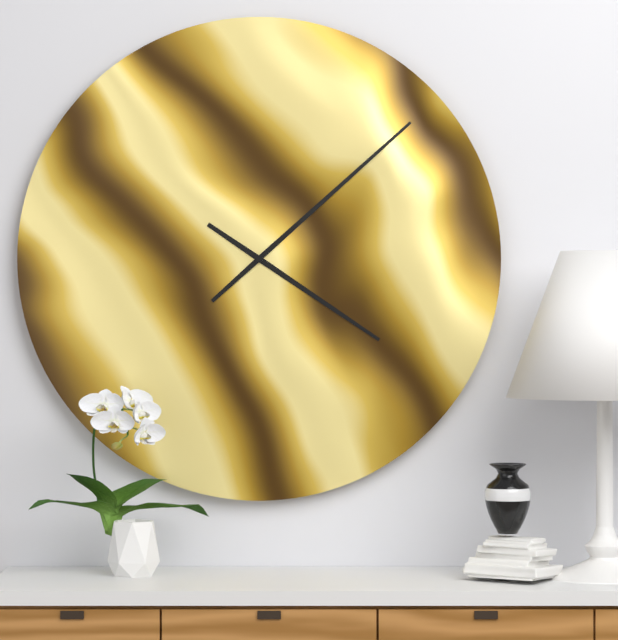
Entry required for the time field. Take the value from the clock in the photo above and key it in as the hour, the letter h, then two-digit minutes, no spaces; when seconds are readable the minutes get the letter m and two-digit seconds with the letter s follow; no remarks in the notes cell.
4h08
